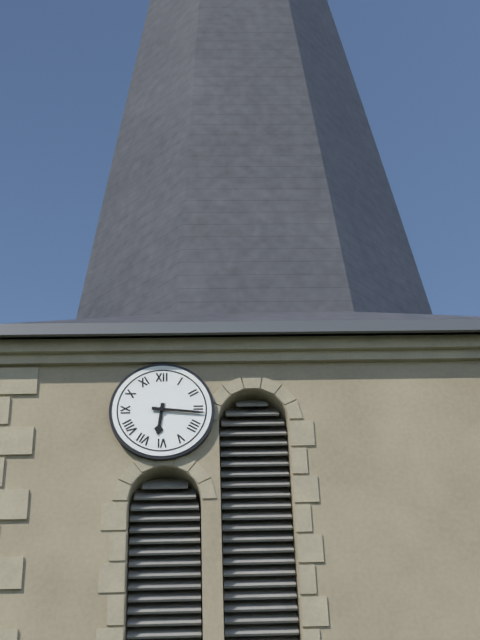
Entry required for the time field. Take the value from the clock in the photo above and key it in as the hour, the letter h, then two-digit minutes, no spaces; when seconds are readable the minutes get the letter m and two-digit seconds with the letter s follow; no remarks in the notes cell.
6h16
